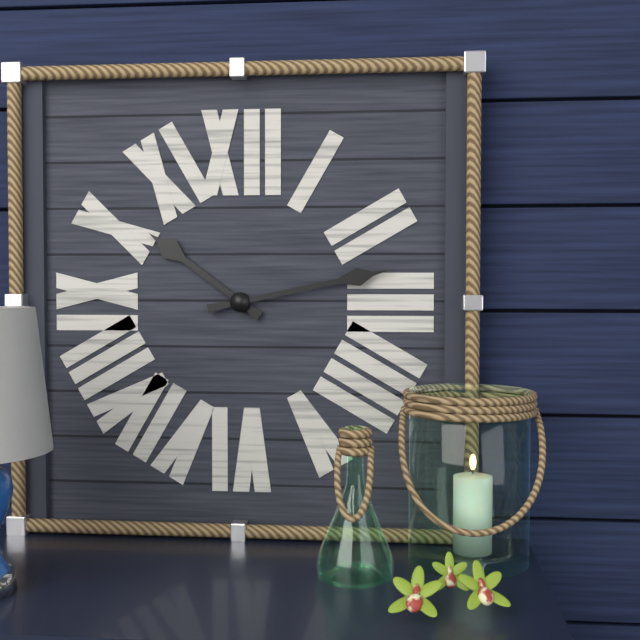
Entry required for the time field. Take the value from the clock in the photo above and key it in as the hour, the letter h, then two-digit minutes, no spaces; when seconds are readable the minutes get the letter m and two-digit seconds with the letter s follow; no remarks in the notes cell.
10h13
